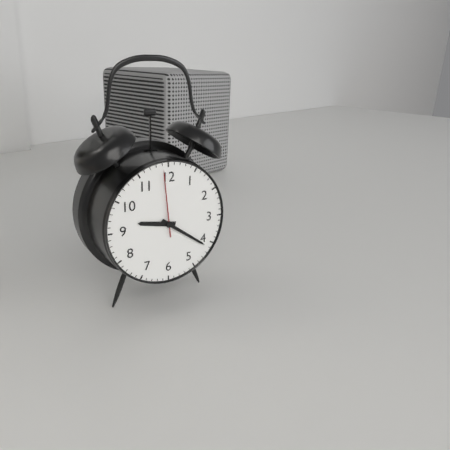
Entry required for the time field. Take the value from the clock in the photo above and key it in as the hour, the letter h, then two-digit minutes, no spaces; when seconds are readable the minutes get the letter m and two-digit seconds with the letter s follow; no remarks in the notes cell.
9h21m59s
